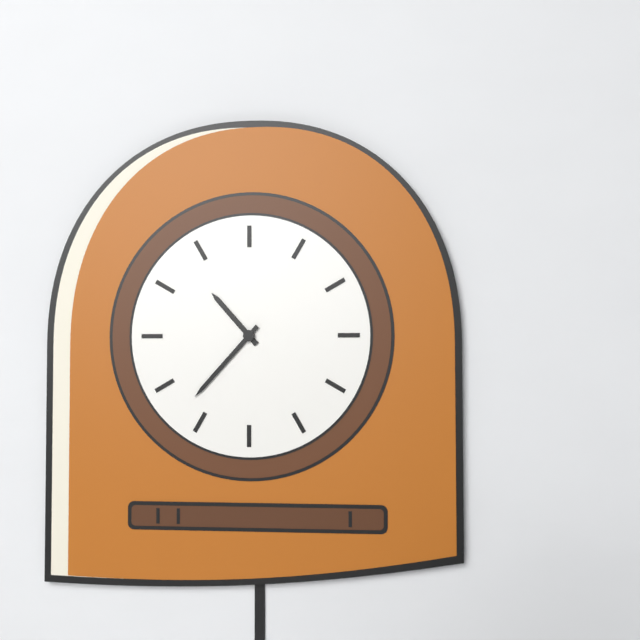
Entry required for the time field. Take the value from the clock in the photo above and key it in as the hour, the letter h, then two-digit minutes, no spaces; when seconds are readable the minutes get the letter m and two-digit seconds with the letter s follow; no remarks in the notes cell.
10h37
